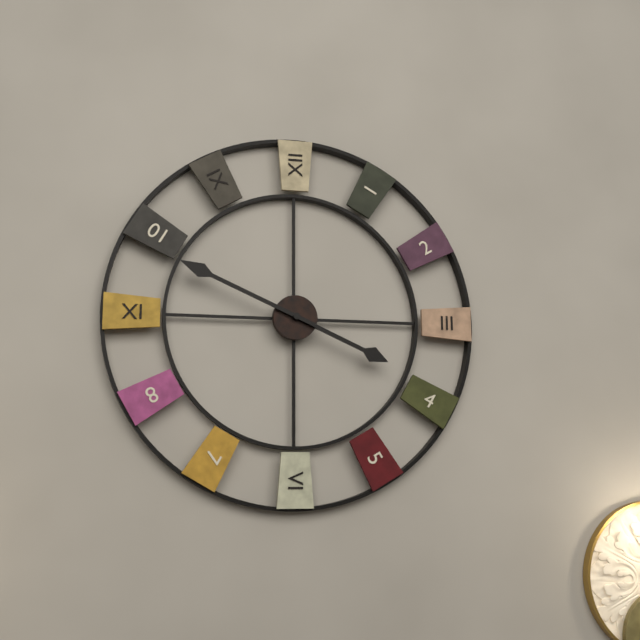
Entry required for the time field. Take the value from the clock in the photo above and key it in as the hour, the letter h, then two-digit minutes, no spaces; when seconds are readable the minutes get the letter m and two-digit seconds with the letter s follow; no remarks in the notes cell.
3h49
